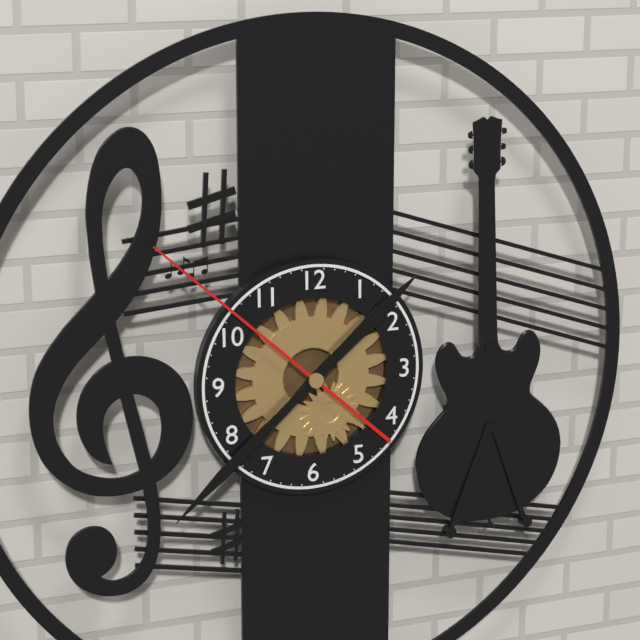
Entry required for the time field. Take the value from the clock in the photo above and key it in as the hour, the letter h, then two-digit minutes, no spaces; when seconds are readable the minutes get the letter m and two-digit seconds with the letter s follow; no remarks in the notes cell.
1h38m52s
